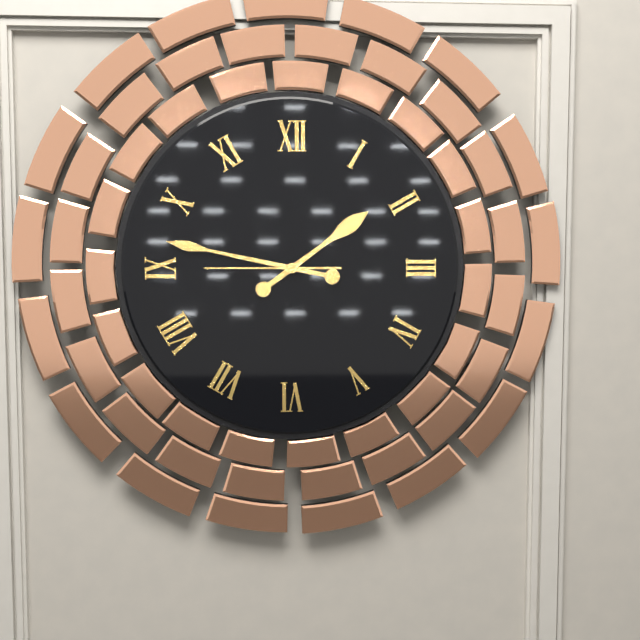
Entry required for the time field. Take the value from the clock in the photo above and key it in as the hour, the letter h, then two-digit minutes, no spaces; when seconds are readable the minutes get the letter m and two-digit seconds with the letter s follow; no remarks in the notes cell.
1h47m45s
